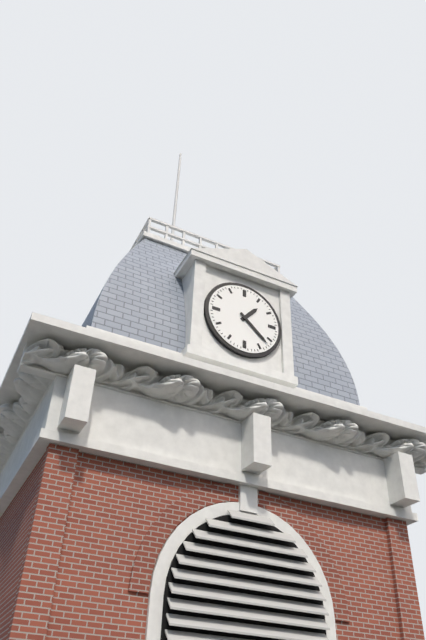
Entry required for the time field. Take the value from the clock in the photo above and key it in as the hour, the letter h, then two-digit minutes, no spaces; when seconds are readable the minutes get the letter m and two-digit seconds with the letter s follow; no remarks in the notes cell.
1h22
